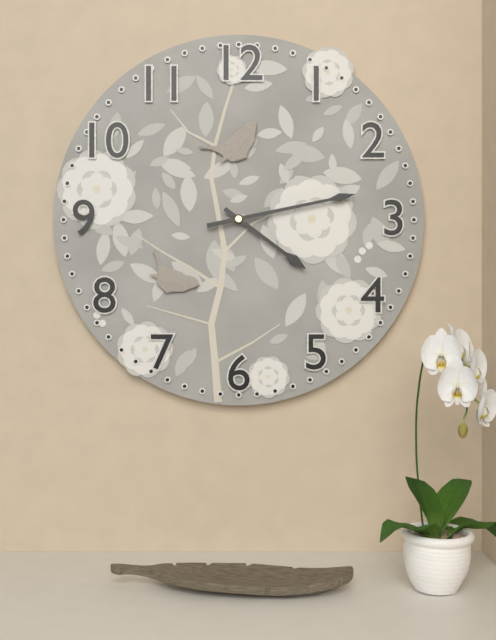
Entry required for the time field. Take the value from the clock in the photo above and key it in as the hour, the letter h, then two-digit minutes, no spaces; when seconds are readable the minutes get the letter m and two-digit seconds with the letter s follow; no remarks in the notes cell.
4h13
